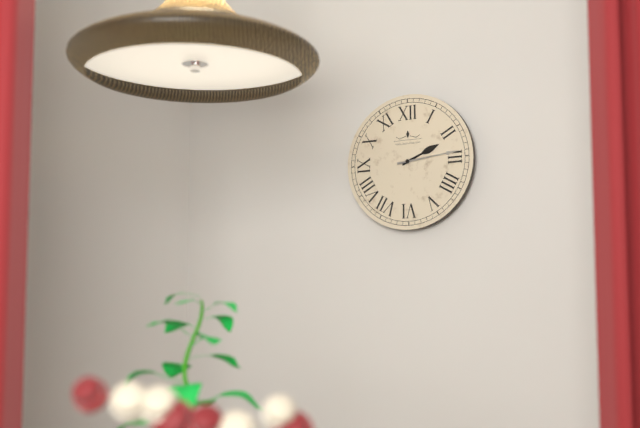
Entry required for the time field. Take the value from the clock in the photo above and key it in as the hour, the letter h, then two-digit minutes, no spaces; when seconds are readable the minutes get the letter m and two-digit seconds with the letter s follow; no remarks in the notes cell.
2h14
